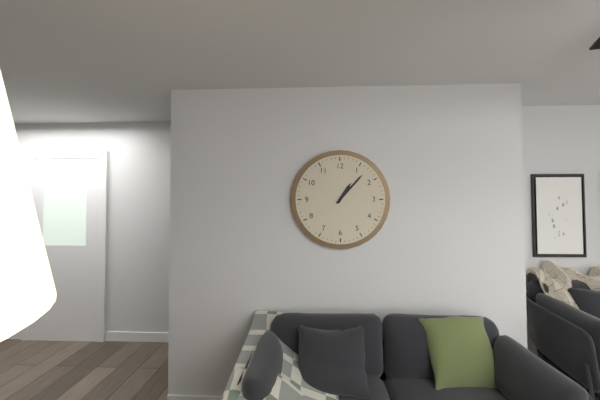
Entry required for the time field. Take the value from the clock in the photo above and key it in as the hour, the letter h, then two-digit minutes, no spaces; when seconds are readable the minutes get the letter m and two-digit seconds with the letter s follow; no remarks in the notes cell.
1h07
